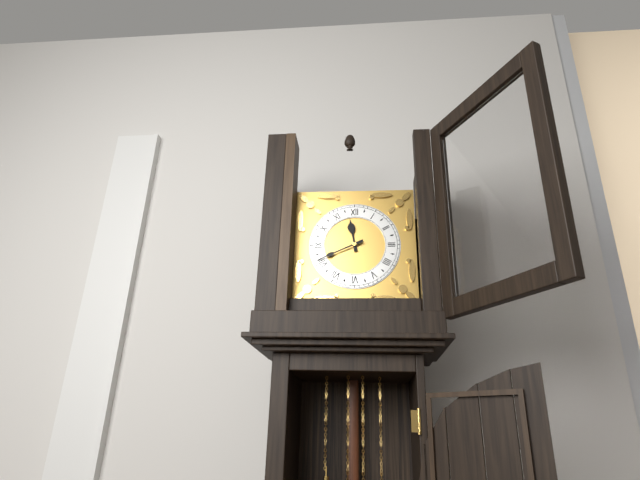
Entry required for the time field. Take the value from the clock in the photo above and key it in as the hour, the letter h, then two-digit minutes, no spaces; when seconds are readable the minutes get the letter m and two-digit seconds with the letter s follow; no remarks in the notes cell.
11h41
